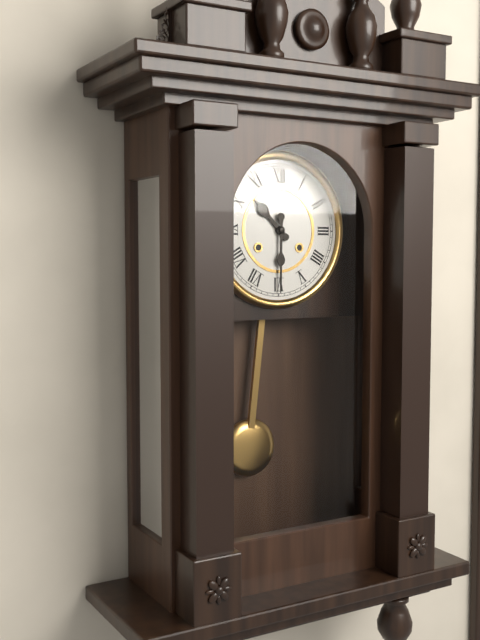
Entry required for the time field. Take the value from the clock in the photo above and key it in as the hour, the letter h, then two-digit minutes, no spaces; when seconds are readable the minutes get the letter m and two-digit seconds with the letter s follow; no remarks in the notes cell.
10h30
